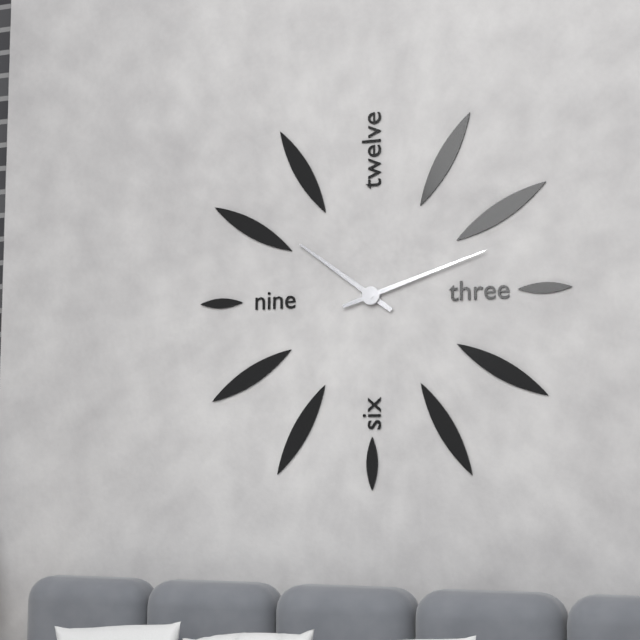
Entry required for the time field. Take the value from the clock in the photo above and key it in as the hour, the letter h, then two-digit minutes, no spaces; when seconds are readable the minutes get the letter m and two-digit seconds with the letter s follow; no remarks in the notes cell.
10h12
